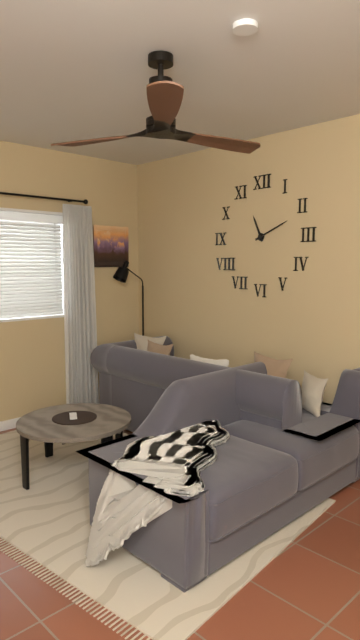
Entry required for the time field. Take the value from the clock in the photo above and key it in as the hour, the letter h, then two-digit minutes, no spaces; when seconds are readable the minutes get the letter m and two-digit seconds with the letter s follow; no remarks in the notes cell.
11h11
